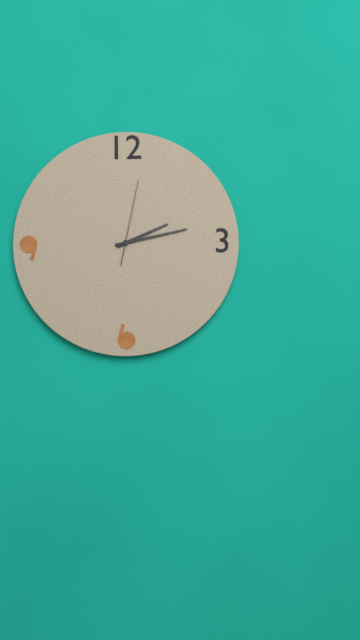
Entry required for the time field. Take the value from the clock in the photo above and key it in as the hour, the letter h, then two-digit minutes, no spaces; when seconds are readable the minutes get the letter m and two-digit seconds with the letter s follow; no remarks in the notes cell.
2h13m02s
